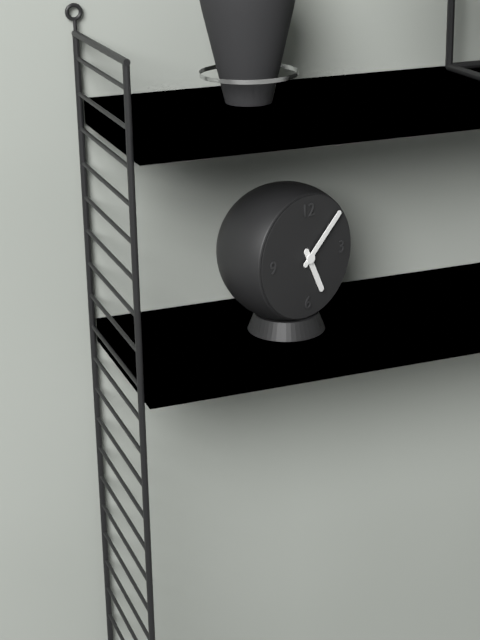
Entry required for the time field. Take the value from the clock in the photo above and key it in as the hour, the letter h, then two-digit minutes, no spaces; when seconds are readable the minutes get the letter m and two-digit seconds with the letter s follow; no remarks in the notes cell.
5h08
